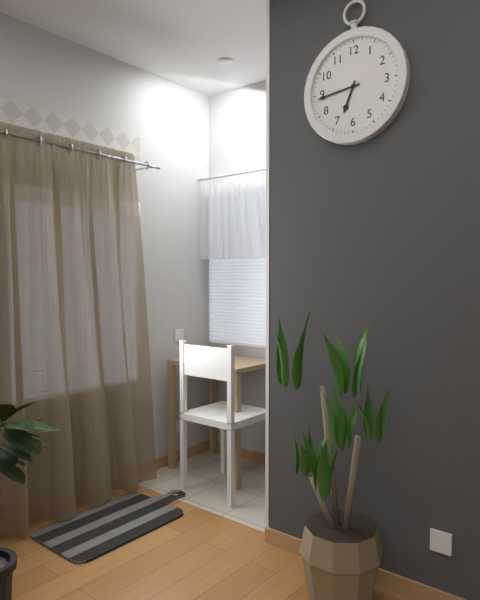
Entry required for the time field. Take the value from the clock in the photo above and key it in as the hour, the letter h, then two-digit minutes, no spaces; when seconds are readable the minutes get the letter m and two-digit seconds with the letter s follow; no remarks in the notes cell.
6h44
